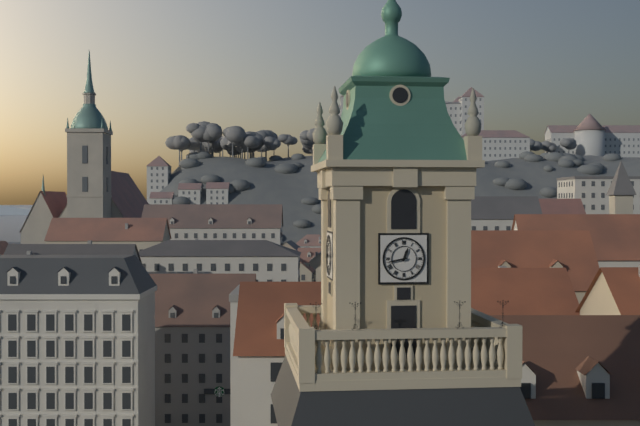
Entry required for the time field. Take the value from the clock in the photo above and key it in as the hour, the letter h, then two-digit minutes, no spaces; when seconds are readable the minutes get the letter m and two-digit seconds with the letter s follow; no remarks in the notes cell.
12h43
